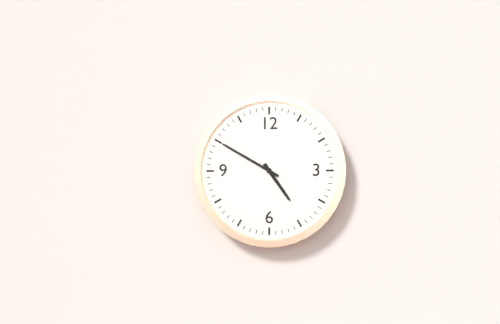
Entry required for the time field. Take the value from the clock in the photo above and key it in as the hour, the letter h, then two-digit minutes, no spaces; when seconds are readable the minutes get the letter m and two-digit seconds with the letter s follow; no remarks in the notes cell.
4h50
